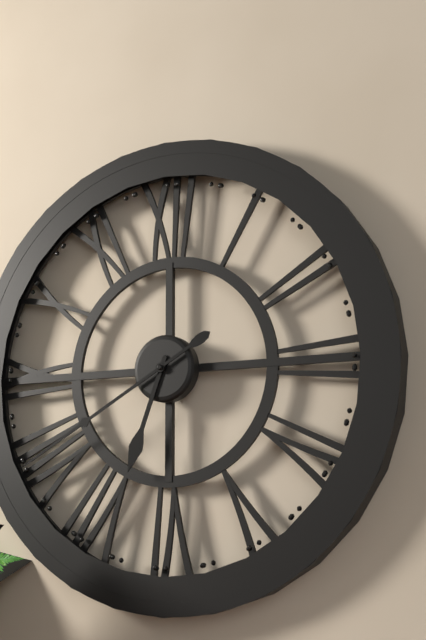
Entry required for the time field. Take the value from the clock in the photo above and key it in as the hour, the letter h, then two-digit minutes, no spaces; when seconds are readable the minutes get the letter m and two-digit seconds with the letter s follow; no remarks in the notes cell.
6h40
